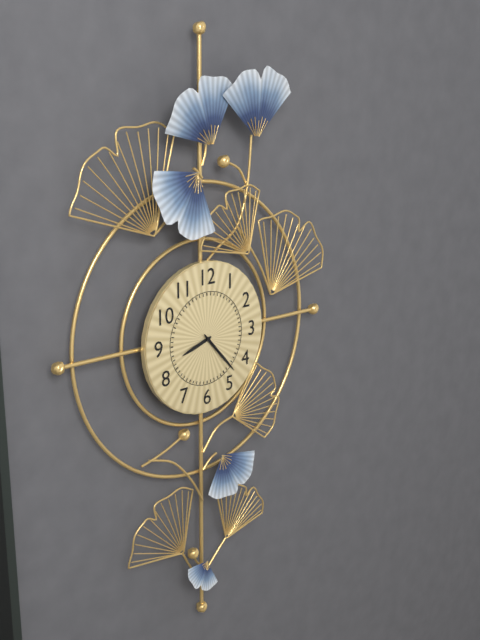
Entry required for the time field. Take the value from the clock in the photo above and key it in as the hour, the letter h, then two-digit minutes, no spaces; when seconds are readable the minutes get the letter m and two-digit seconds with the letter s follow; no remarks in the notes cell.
8h23
